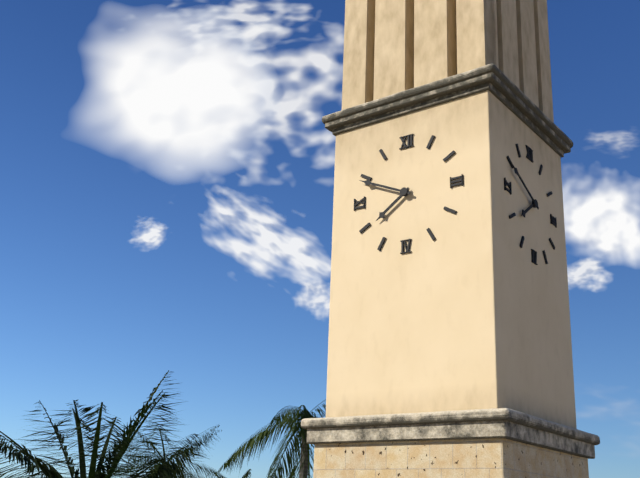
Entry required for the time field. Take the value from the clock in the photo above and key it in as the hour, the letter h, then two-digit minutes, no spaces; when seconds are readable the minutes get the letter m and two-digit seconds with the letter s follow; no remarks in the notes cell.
7h49
